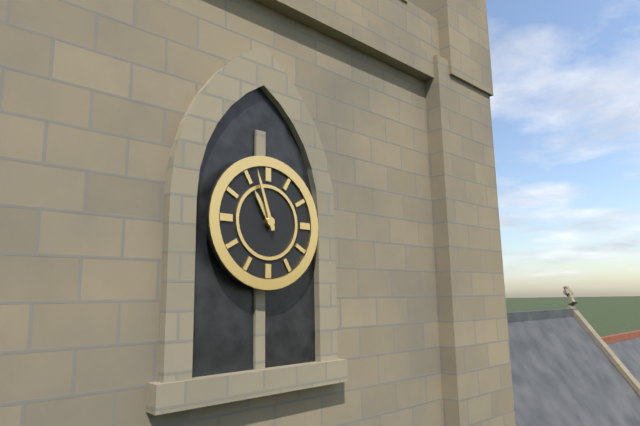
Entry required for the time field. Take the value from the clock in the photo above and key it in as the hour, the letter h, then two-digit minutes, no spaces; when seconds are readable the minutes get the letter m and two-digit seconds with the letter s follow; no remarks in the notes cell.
10h57
